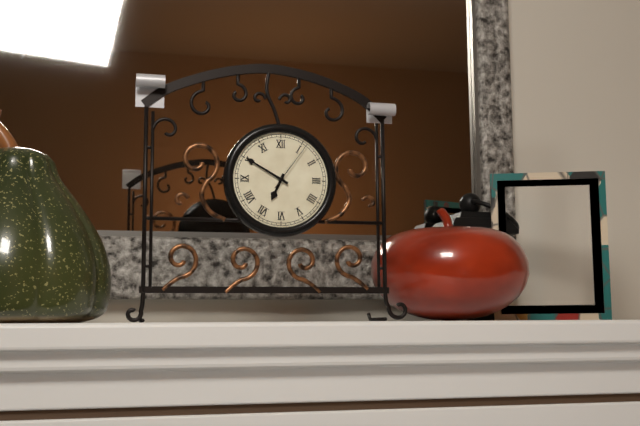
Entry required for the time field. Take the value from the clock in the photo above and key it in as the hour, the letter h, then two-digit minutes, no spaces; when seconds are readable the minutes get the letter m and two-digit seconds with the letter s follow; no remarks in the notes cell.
6h50m06s
